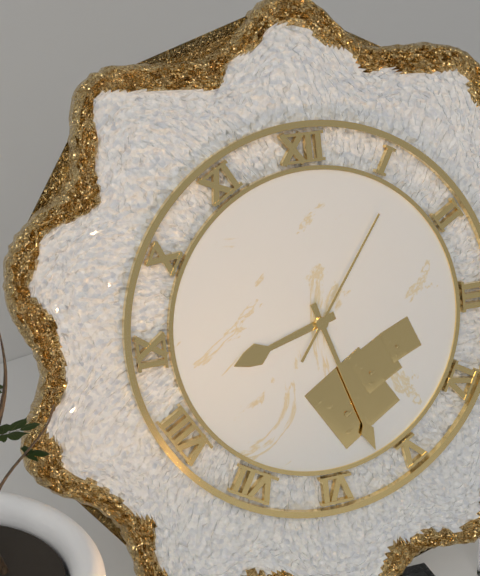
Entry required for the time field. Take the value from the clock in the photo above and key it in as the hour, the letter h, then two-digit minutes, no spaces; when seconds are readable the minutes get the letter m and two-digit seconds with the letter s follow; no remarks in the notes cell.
8h27m06s
